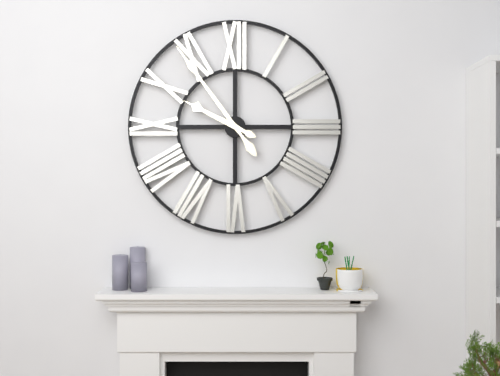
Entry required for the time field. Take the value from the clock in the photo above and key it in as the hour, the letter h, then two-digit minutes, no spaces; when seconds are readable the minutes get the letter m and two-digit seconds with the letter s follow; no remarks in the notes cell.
9h54
